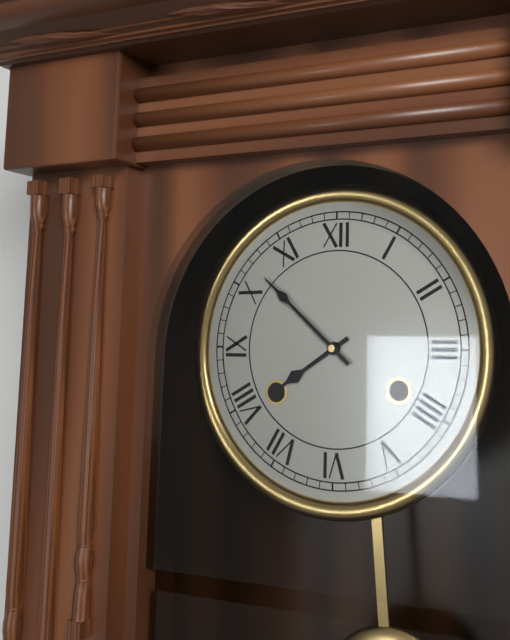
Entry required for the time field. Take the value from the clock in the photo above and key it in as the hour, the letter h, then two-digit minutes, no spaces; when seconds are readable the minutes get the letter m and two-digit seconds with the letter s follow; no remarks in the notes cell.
7h52
